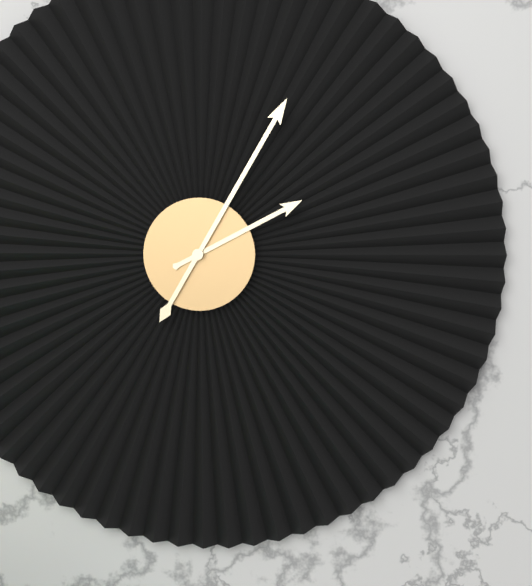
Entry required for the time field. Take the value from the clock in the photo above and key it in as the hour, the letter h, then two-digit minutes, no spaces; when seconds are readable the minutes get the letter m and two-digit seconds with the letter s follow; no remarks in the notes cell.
2h05
